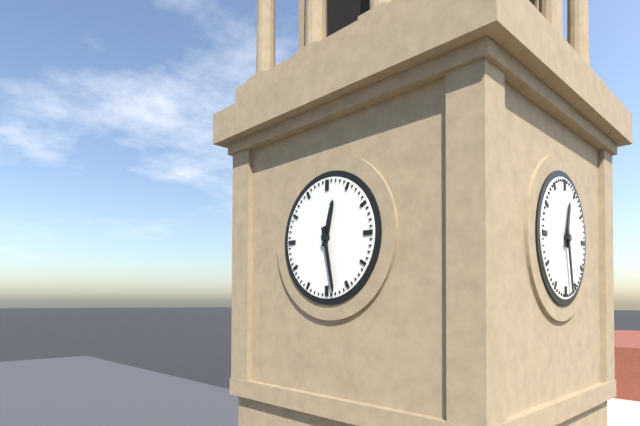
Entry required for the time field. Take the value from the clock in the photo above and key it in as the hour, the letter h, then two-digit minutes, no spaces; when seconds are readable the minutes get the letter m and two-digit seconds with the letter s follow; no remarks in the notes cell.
12h28
